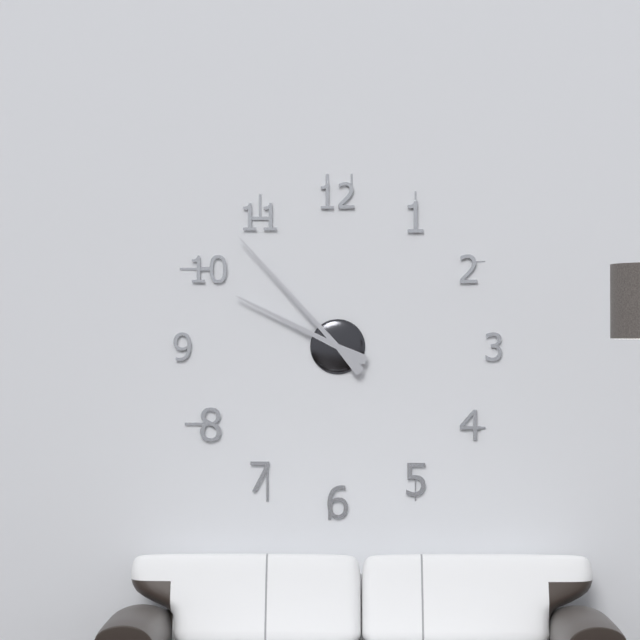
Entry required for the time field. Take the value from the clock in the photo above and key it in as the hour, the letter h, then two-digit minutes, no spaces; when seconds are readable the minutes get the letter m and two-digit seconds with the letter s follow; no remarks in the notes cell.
9h53
